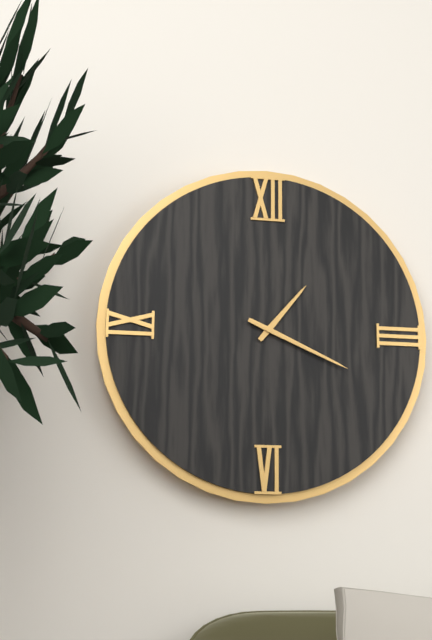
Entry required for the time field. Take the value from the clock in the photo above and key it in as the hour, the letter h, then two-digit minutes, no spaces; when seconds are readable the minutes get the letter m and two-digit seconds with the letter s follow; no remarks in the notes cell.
1h19
